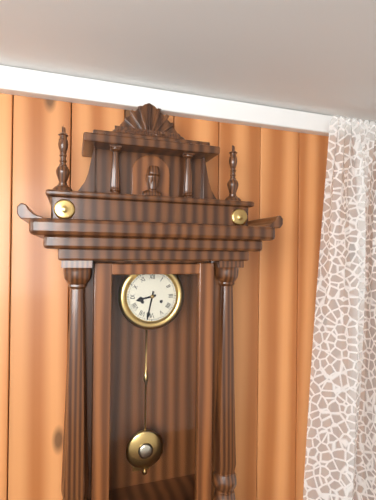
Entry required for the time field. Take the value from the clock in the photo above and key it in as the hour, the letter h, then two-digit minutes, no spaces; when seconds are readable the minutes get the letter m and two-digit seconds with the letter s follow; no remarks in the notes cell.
8h32
